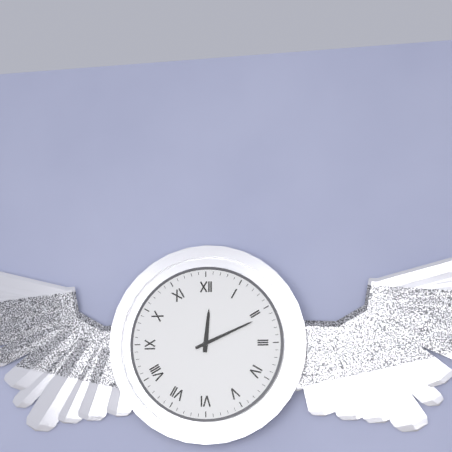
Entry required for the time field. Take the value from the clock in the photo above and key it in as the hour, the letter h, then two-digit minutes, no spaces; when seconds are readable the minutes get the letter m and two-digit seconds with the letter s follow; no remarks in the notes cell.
12h11
